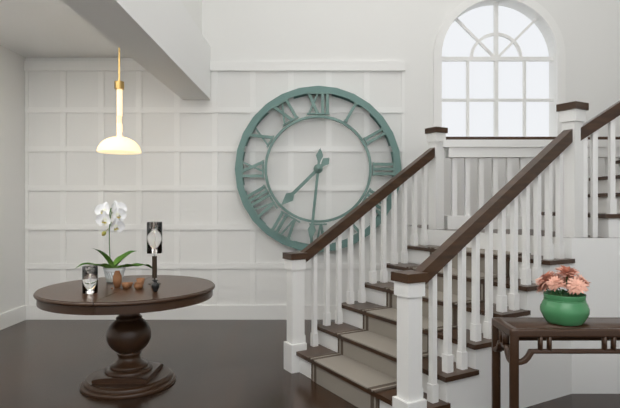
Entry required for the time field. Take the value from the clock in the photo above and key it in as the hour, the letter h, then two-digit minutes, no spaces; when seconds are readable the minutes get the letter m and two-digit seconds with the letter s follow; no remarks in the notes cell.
7h31
